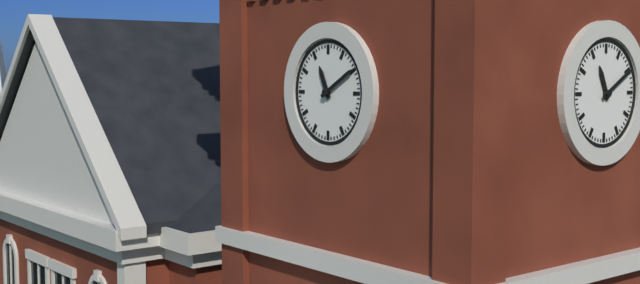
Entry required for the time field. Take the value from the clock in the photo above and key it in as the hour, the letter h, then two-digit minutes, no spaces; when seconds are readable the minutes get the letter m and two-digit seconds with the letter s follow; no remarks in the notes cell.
11h10
